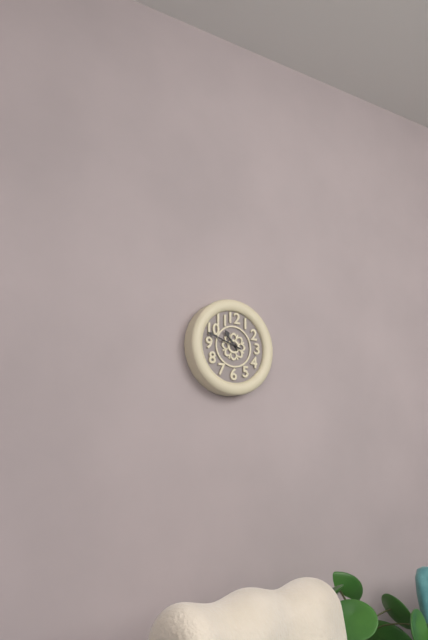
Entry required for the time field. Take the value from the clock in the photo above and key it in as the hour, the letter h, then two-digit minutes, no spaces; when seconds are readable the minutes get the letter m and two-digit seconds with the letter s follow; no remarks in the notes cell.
10h48
